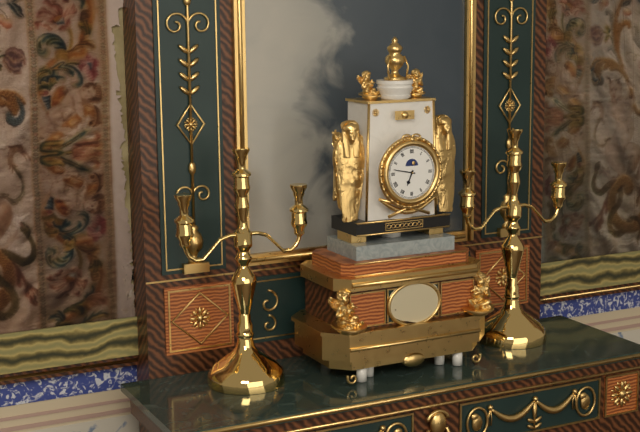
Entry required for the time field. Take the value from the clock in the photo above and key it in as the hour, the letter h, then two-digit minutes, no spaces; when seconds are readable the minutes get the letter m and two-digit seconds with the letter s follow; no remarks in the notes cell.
6h47
